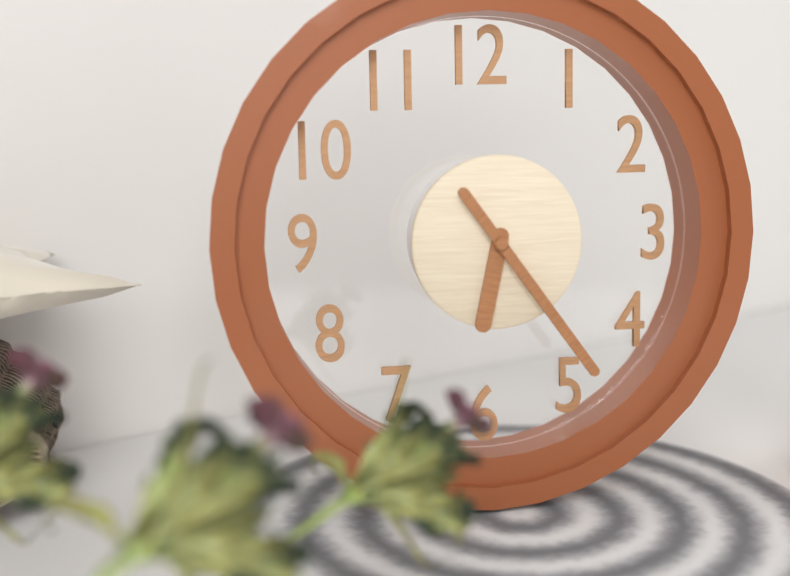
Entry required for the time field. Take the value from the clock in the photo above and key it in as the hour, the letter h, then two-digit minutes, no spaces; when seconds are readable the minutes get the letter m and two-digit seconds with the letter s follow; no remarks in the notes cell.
6h24
